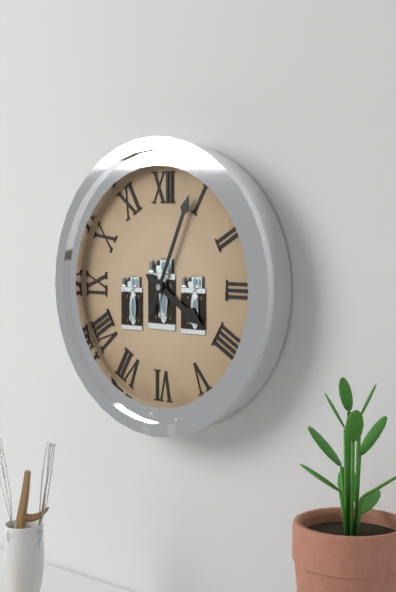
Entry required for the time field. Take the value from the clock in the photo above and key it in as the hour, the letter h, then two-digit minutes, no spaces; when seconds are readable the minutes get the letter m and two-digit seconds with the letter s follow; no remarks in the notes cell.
4h04
